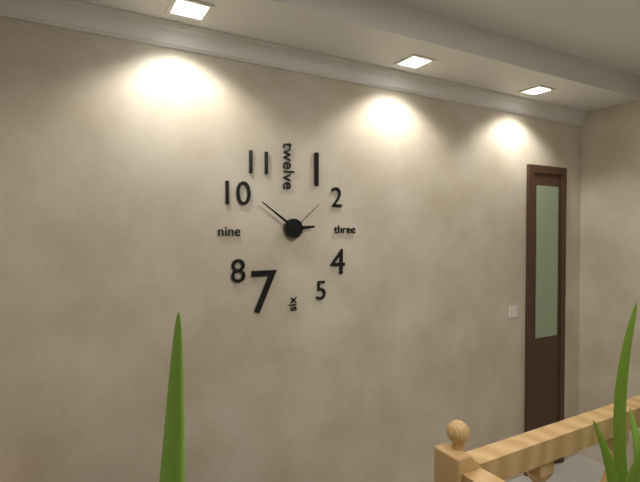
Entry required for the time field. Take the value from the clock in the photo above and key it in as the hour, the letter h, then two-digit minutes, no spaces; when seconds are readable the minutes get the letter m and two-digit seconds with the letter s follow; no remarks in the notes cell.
2h51
